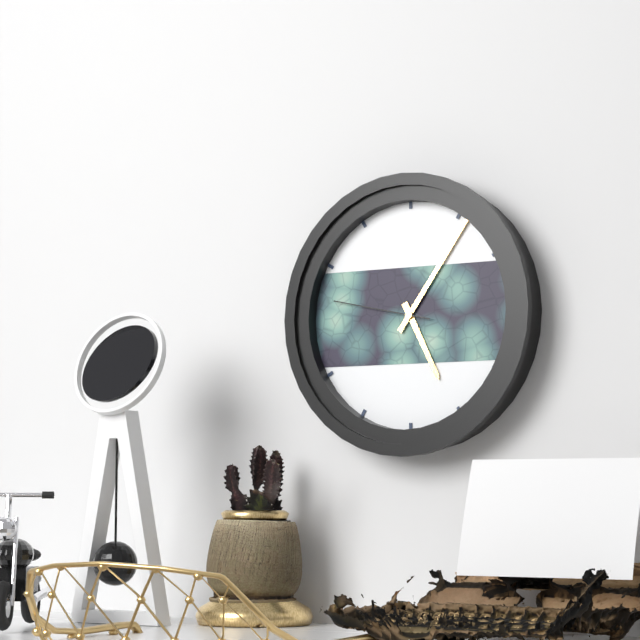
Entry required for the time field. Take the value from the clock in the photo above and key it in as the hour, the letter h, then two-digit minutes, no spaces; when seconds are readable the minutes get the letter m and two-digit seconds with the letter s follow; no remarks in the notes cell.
5h06m47s
